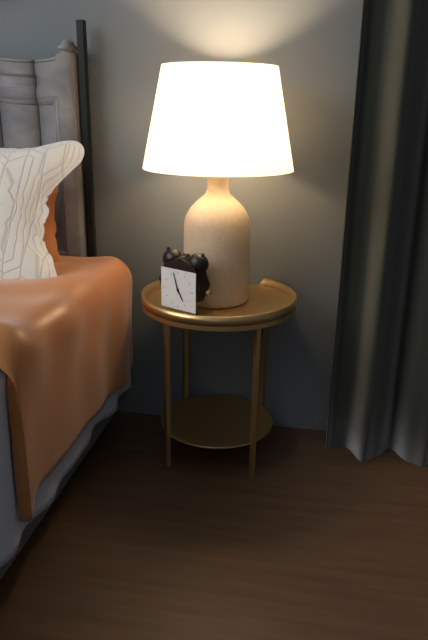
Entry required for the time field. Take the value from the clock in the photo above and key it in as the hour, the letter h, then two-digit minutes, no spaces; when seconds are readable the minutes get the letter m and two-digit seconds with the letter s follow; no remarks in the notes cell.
4h57
